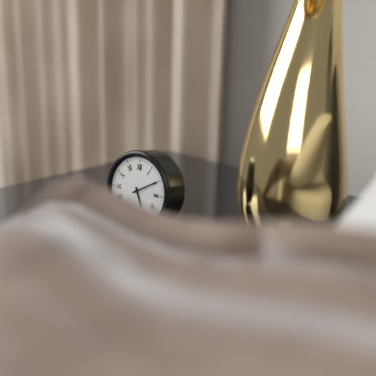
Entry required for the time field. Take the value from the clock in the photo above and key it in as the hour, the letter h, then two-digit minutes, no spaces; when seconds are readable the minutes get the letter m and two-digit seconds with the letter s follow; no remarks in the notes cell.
5h10
